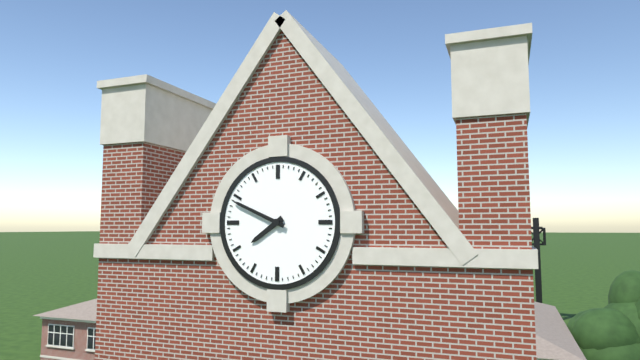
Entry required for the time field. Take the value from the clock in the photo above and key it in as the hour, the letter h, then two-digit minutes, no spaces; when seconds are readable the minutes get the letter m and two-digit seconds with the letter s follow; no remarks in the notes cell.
7h49
